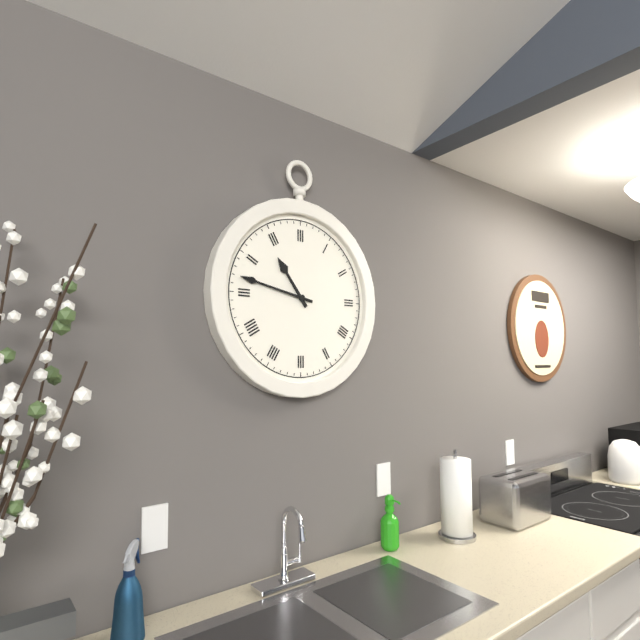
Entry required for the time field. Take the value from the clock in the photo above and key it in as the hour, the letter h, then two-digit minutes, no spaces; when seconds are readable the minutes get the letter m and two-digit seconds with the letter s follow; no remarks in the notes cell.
10h47
